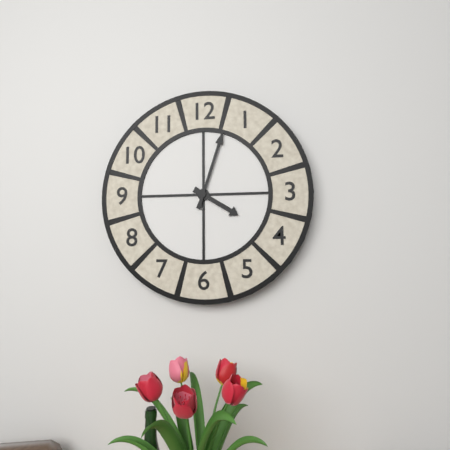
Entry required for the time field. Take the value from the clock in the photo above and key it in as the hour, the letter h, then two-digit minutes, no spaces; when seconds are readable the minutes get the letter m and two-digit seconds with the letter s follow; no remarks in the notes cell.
4h03
